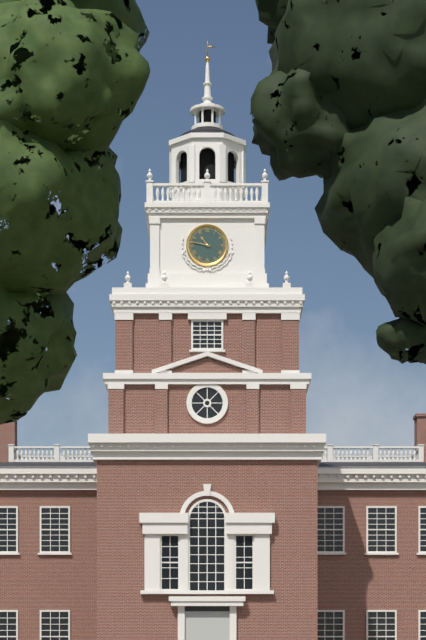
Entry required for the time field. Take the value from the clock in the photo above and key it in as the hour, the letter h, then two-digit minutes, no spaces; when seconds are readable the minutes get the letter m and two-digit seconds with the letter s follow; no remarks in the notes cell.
10h47
